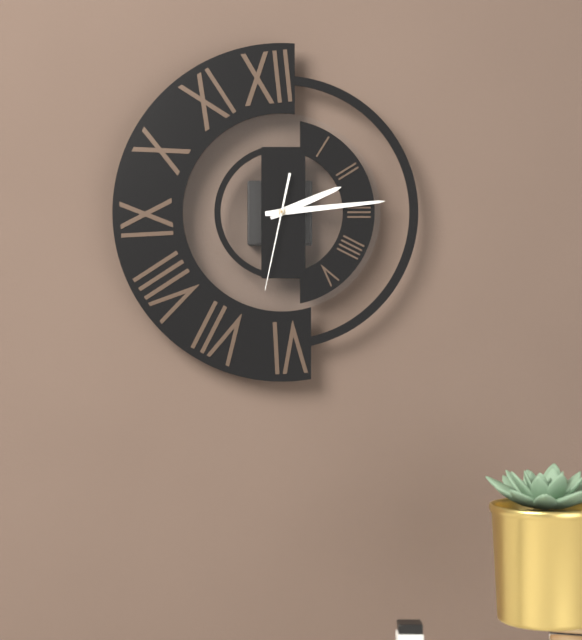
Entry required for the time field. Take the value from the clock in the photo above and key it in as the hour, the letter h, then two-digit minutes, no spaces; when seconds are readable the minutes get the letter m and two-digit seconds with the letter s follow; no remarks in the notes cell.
2h14m32s
